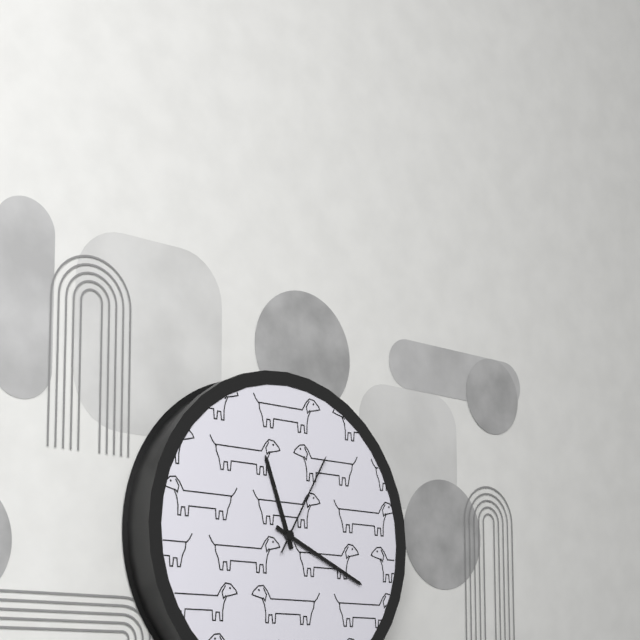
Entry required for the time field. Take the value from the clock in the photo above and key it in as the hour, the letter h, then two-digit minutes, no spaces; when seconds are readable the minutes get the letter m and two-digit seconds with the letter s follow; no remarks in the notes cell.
11h19m05s
